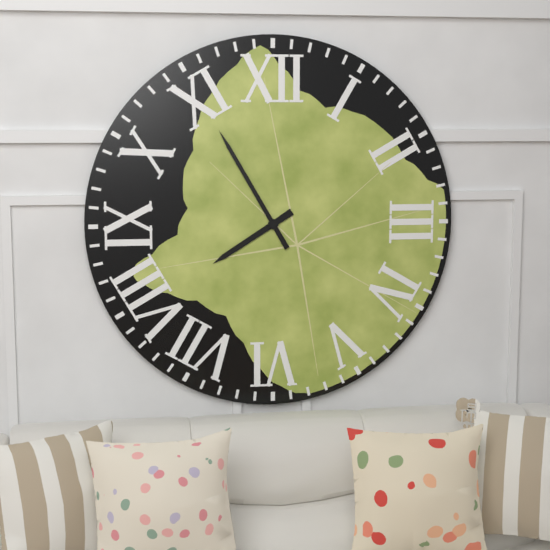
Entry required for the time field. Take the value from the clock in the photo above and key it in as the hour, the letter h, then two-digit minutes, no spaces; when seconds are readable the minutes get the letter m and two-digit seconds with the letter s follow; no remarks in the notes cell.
7h55
